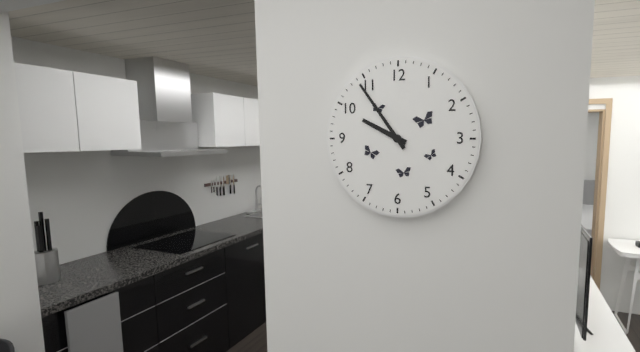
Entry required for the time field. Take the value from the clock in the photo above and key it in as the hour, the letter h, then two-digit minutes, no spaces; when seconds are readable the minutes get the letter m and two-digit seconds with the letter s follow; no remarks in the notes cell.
9h54
